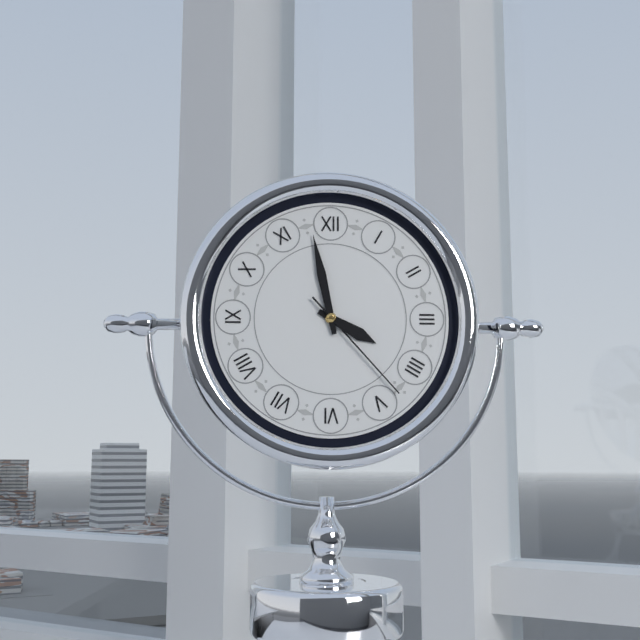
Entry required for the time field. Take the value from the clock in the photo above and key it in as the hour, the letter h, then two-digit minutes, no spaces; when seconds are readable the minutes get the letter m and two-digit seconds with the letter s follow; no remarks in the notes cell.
3h58m23s
